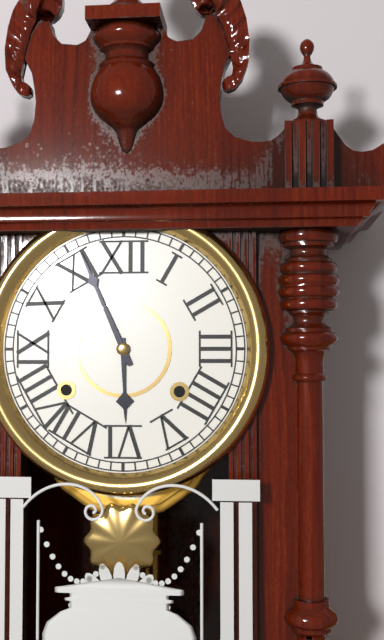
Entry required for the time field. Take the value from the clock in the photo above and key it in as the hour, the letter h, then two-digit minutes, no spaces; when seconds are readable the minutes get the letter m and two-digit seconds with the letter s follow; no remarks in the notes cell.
5h56
